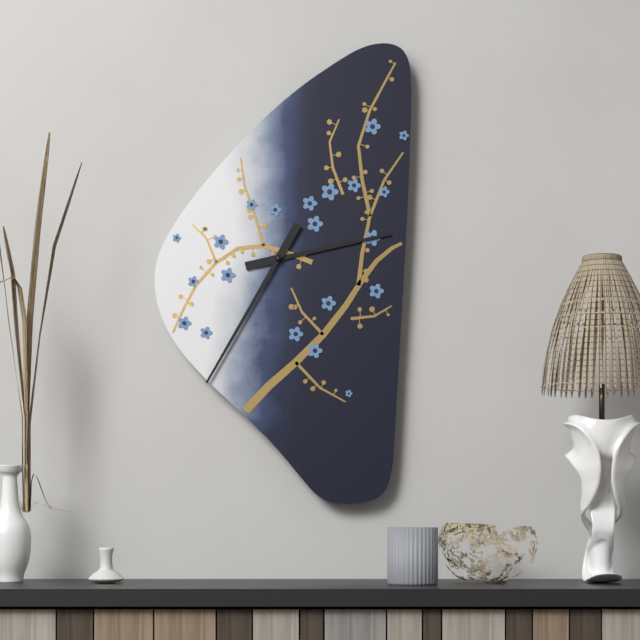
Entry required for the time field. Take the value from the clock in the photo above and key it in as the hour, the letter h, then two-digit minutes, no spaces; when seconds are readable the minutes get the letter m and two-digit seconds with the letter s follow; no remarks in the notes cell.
2h35
